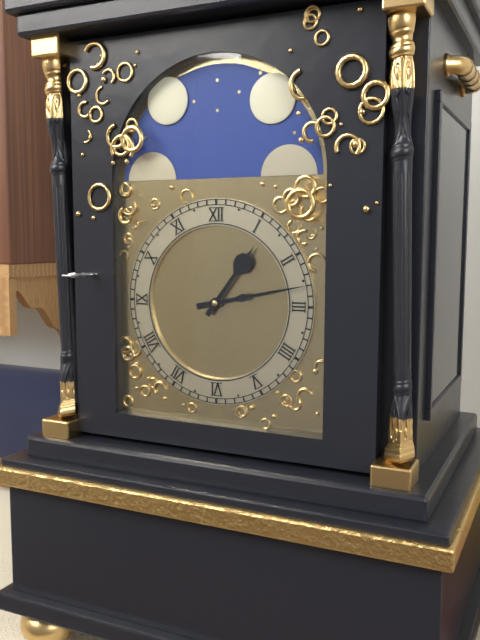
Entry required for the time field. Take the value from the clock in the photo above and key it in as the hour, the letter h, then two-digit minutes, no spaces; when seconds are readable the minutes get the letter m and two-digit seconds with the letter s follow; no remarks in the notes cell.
1h13
